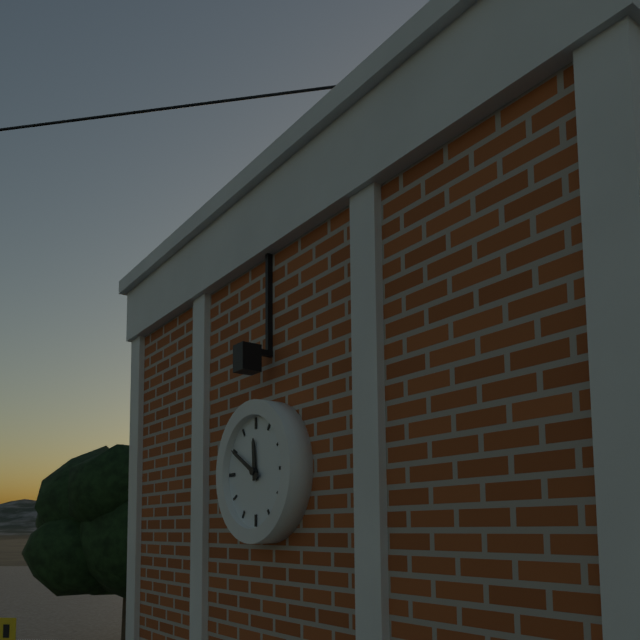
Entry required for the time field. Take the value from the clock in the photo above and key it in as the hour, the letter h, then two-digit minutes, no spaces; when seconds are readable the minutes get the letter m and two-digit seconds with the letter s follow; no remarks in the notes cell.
11h50
